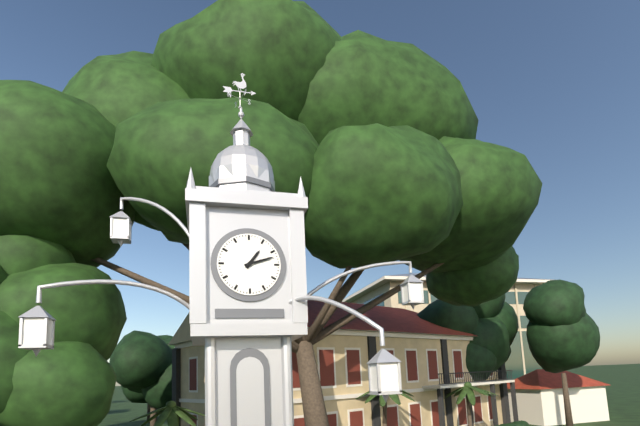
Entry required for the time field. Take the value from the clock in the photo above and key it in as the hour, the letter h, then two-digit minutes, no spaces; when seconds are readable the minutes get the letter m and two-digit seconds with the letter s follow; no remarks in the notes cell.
1h12
